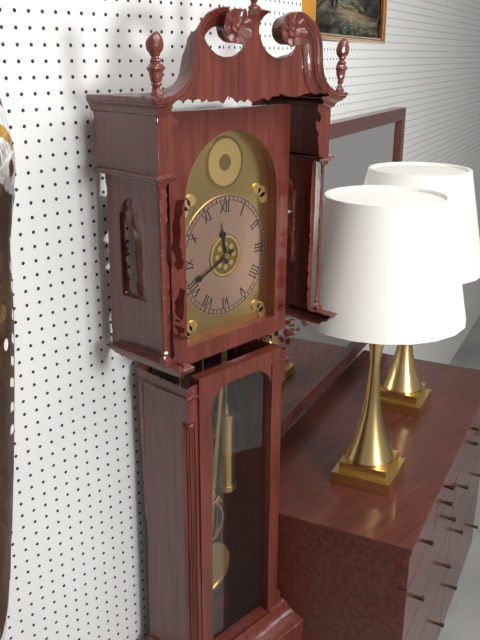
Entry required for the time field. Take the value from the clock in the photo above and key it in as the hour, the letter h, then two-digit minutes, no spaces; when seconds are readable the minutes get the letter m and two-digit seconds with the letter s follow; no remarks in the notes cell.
11h41
